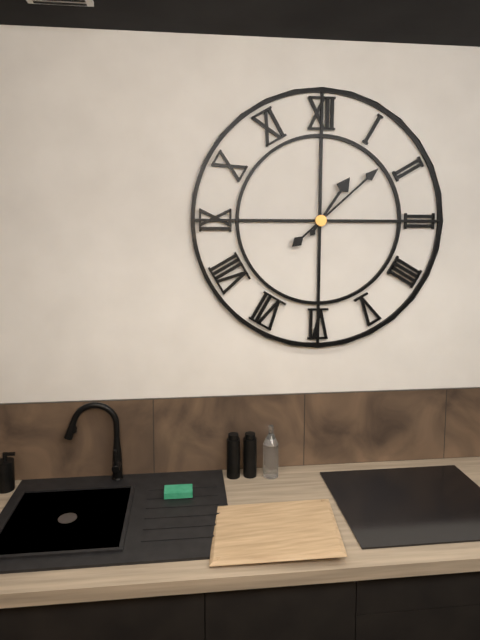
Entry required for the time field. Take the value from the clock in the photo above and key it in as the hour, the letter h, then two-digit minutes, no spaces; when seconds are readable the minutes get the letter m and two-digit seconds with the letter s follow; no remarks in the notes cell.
1h08
